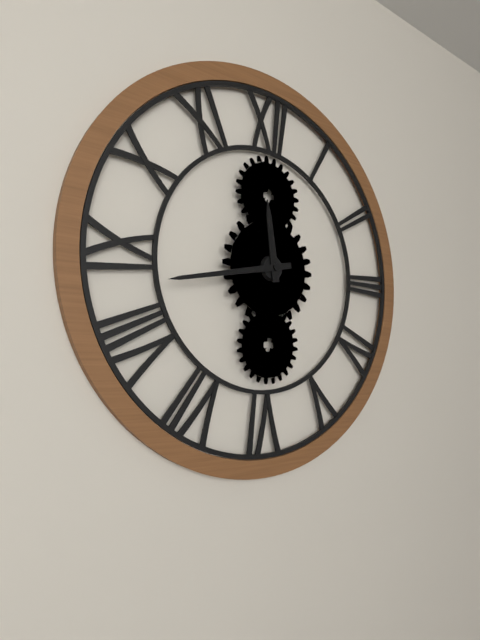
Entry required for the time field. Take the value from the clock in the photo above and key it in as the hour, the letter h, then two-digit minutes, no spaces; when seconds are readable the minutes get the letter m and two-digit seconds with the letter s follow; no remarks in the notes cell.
11h43
